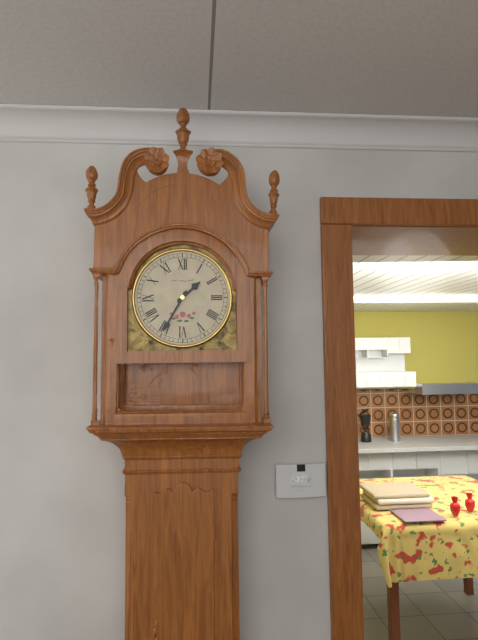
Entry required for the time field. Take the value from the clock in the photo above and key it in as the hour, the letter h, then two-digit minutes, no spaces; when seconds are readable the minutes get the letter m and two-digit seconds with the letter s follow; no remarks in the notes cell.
1h35
